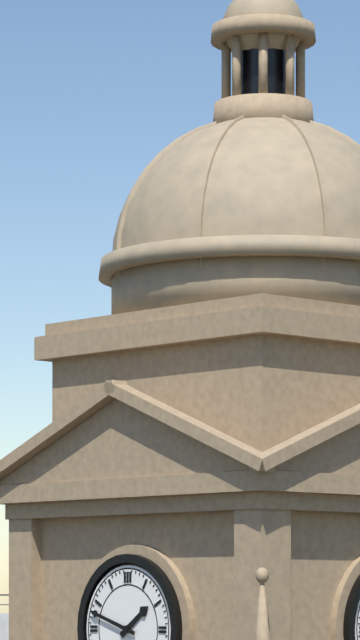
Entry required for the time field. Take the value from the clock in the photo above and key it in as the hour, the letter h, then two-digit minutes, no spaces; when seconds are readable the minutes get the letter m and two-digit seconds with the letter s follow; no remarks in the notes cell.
1h48
